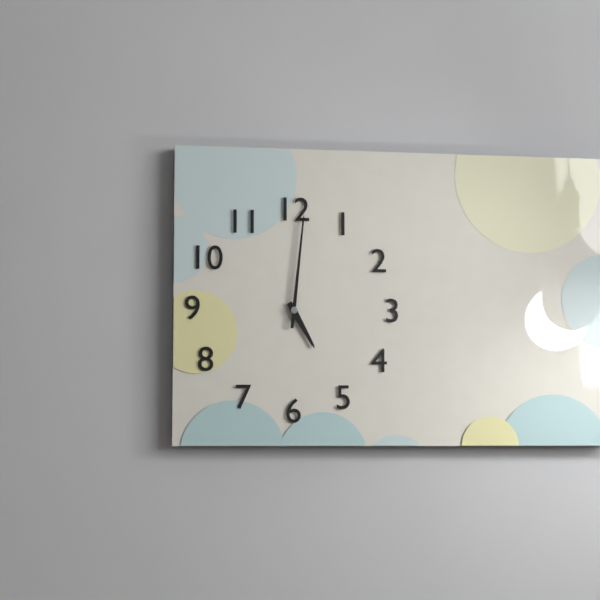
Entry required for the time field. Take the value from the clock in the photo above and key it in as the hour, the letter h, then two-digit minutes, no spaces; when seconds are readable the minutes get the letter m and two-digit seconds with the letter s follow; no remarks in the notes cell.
5h01
